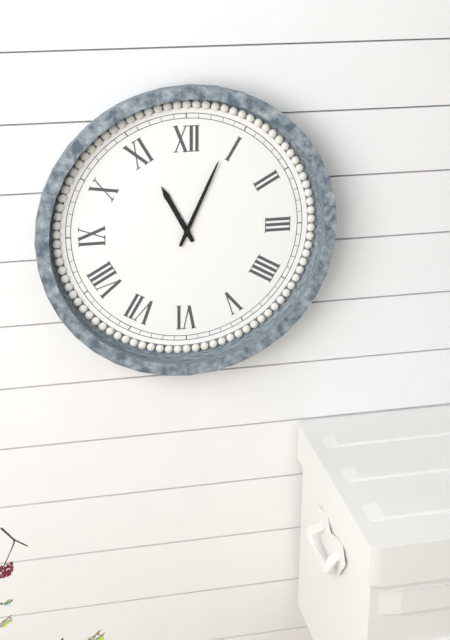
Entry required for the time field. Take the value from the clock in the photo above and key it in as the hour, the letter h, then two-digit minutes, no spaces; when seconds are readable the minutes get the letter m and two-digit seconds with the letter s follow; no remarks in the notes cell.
11h04
